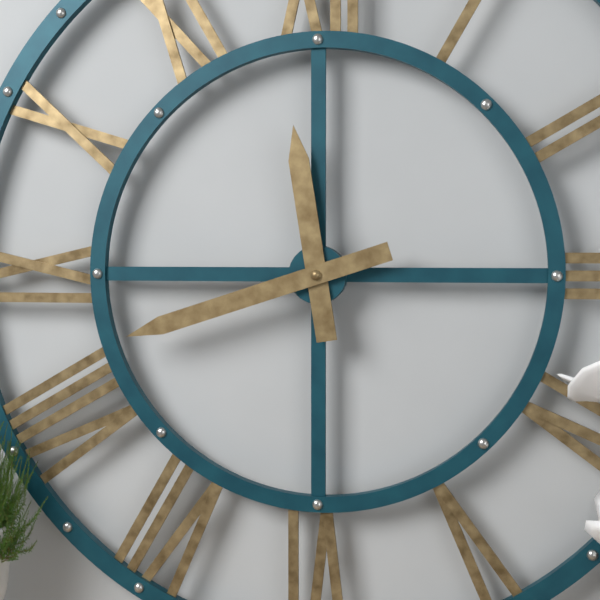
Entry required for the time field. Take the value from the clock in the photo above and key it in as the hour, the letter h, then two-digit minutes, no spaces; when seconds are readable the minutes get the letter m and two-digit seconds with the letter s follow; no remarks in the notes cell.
11h42
